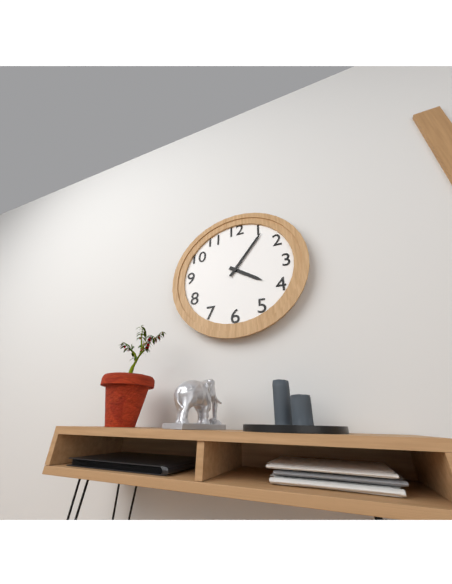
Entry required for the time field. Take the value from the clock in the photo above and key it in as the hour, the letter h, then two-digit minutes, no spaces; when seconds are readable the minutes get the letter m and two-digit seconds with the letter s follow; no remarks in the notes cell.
4h06
